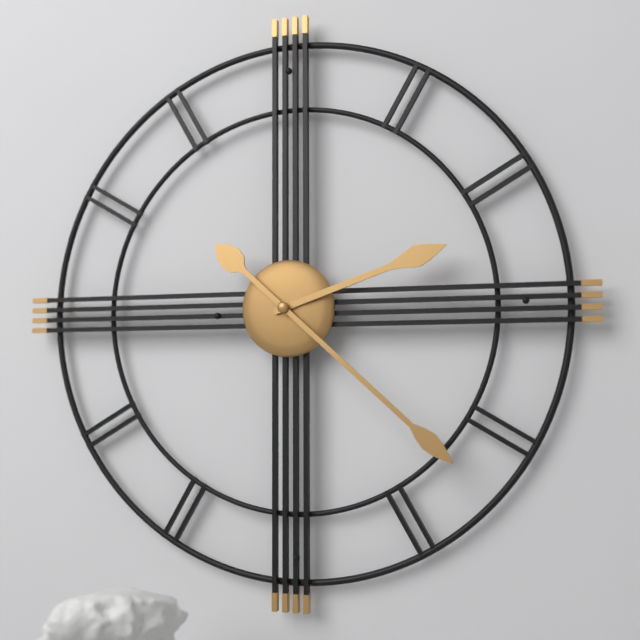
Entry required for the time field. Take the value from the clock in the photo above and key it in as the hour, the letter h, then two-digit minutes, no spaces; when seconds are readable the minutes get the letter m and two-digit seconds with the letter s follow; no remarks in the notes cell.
2h22
